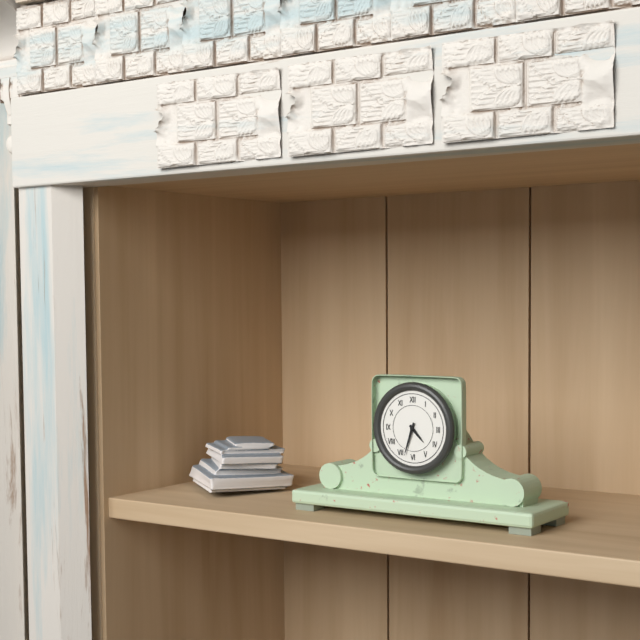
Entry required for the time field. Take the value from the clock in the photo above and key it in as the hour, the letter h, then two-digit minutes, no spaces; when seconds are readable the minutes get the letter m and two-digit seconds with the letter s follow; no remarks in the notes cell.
4h33
